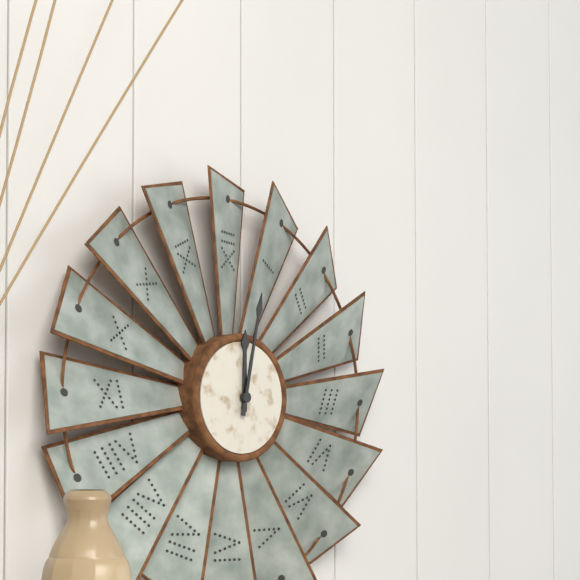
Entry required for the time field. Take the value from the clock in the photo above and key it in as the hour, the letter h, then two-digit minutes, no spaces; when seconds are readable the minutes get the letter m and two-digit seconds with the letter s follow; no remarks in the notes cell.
12h02
